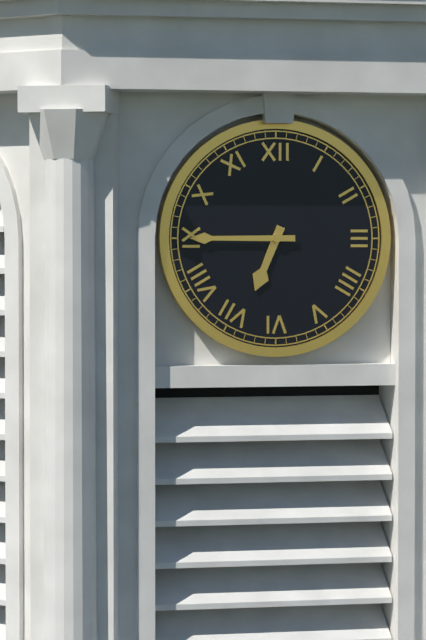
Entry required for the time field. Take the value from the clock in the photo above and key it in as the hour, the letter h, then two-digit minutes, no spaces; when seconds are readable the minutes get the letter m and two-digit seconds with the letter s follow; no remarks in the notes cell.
6h45
